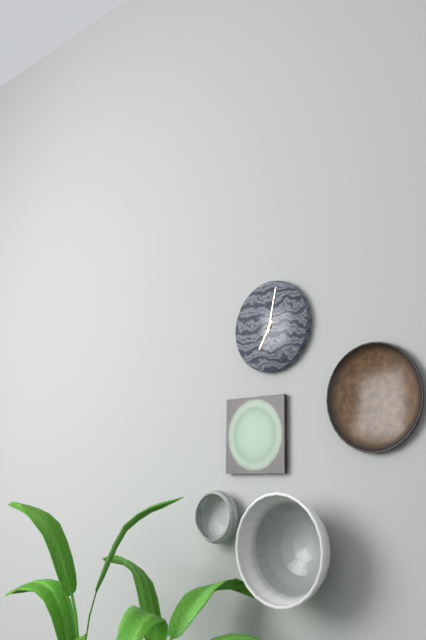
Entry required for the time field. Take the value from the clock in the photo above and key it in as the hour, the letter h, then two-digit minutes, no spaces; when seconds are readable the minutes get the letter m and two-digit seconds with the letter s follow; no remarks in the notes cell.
7h02
